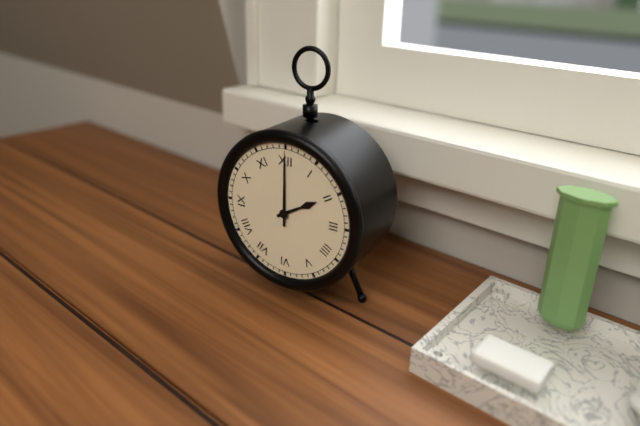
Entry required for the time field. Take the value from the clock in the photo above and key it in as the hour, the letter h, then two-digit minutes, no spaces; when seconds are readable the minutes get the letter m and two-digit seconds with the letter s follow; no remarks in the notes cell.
2h00
